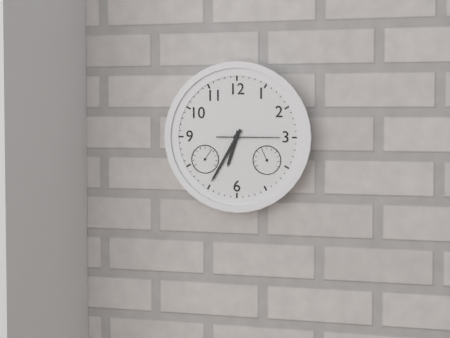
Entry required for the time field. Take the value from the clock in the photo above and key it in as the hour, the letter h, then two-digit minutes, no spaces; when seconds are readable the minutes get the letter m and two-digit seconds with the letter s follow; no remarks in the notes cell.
6h35m15s
